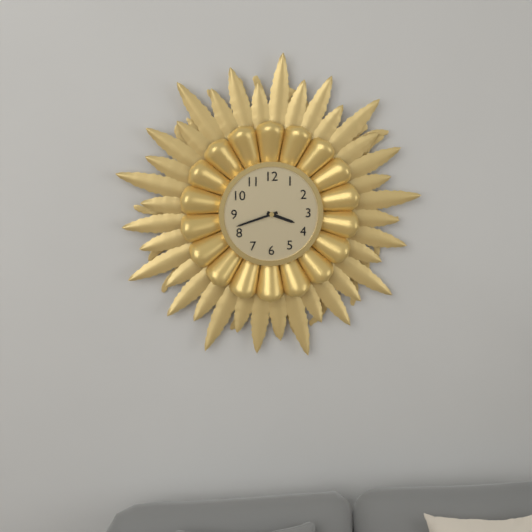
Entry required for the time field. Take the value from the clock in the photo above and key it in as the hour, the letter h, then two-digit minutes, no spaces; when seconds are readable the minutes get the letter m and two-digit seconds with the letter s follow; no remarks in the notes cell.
3h42
